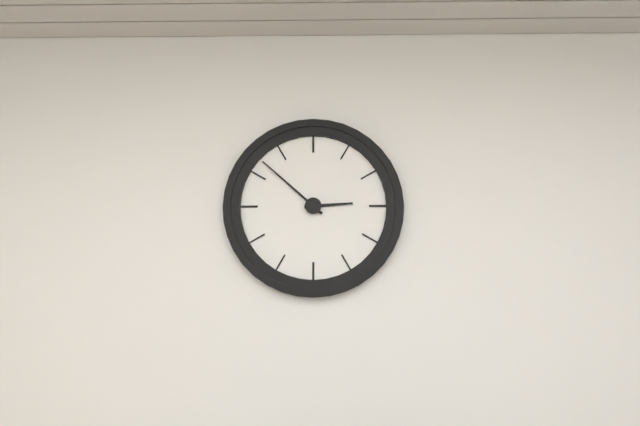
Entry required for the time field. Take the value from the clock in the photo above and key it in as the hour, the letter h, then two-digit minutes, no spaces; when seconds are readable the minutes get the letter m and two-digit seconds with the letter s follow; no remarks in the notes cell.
2h52
